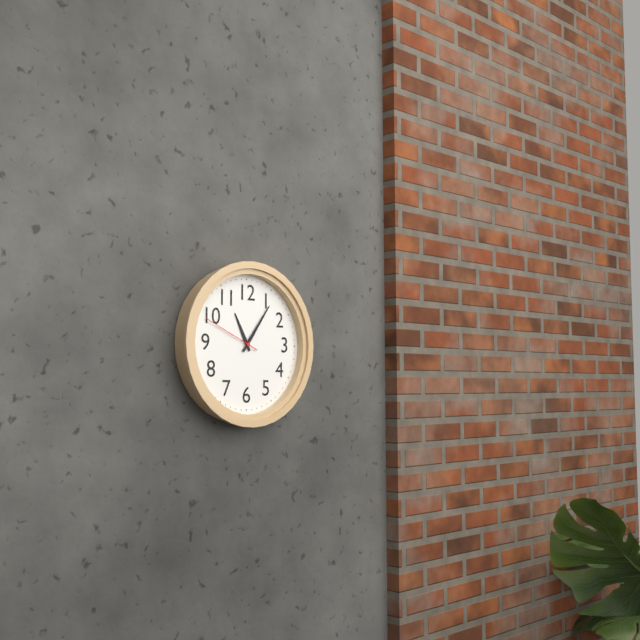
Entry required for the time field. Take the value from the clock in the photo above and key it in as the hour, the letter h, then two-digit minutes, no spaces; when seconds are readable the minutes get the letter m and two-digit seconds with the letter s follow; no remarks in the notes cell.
11h06m49s
